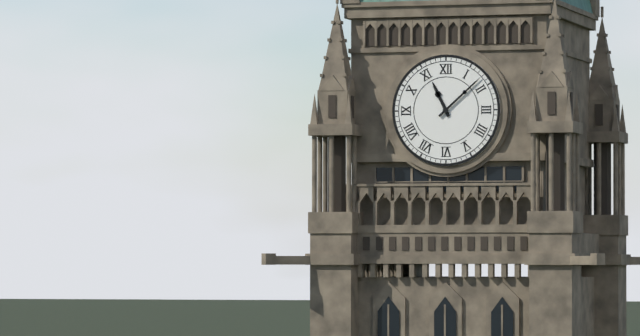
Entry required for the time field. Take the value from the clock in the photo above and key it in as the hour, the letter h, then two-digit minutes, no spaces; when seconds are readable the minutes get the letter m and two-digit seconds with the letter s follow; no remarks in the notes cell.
11h08
